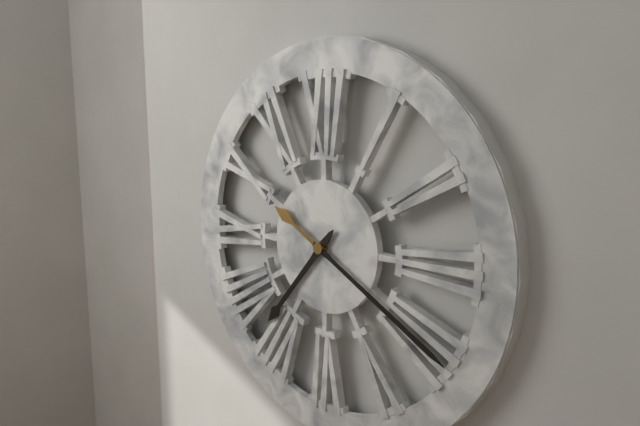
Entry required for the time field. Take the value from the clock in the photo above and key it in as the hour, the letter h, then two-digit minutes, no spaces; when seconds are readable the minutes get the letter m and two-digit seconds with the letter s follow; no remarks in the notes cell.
7h20
